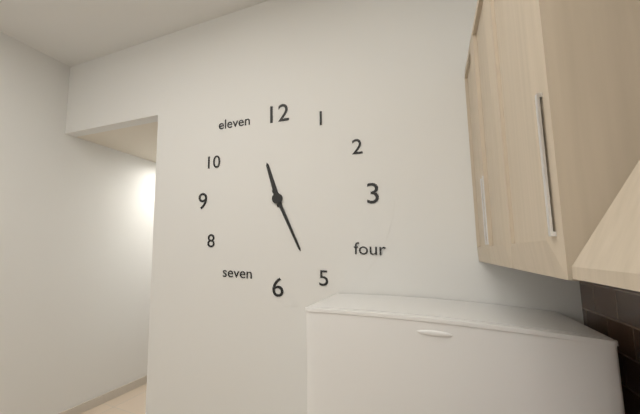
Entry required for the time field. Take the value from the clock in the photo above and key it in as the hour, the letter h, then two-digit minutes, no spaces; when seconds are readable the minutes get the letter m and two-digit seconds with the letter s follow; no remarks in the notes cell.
11h26
